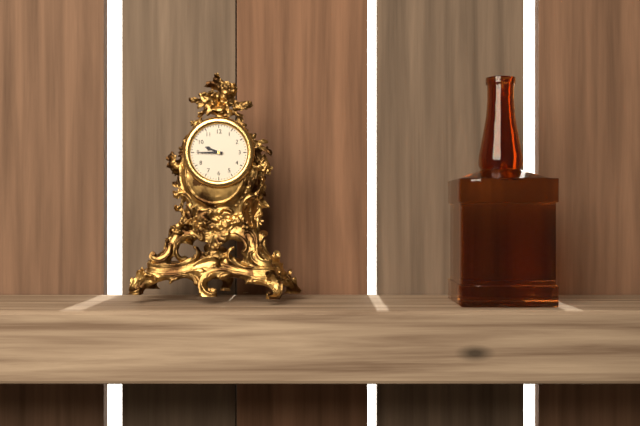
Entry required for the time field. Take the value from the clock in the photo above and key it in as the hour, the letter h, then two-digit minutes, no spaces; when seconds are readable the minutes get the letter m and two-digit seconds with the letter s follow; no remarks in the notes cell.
9h45
